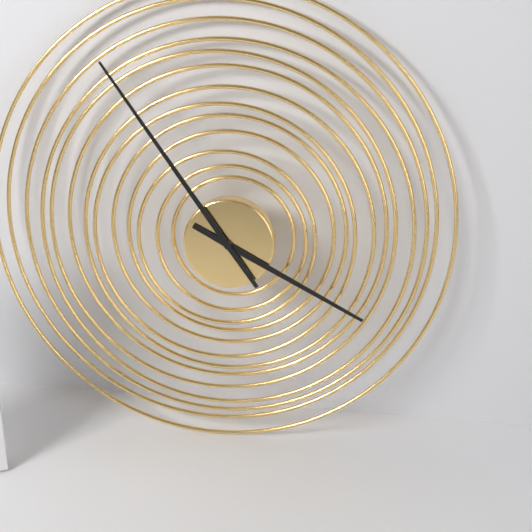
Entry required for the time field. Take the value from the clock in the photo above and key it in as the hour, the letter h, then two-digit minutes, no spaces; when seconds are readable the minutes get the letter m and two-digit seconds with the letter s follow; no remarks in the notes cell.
3h54
